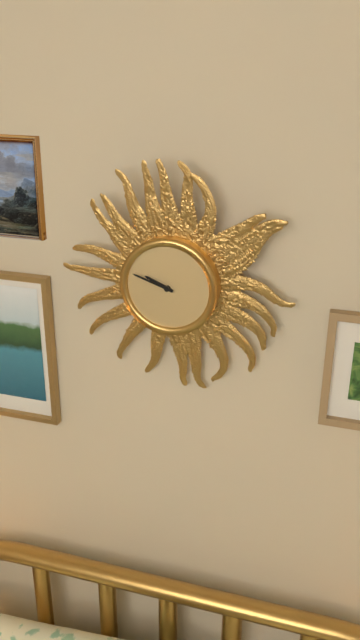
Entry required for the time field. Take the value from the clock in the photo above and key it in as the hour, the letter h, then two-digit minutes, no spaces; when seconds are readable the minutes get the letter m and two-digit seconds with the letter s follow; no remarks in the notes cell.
9h48
